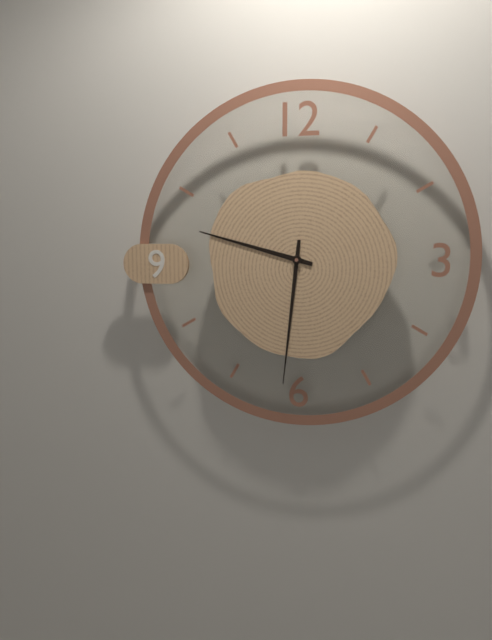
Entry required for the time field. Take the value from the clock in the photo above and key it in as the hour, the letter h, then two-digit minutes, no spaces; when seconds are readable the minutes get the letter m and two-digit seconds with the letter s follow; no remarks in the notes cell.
9h31
